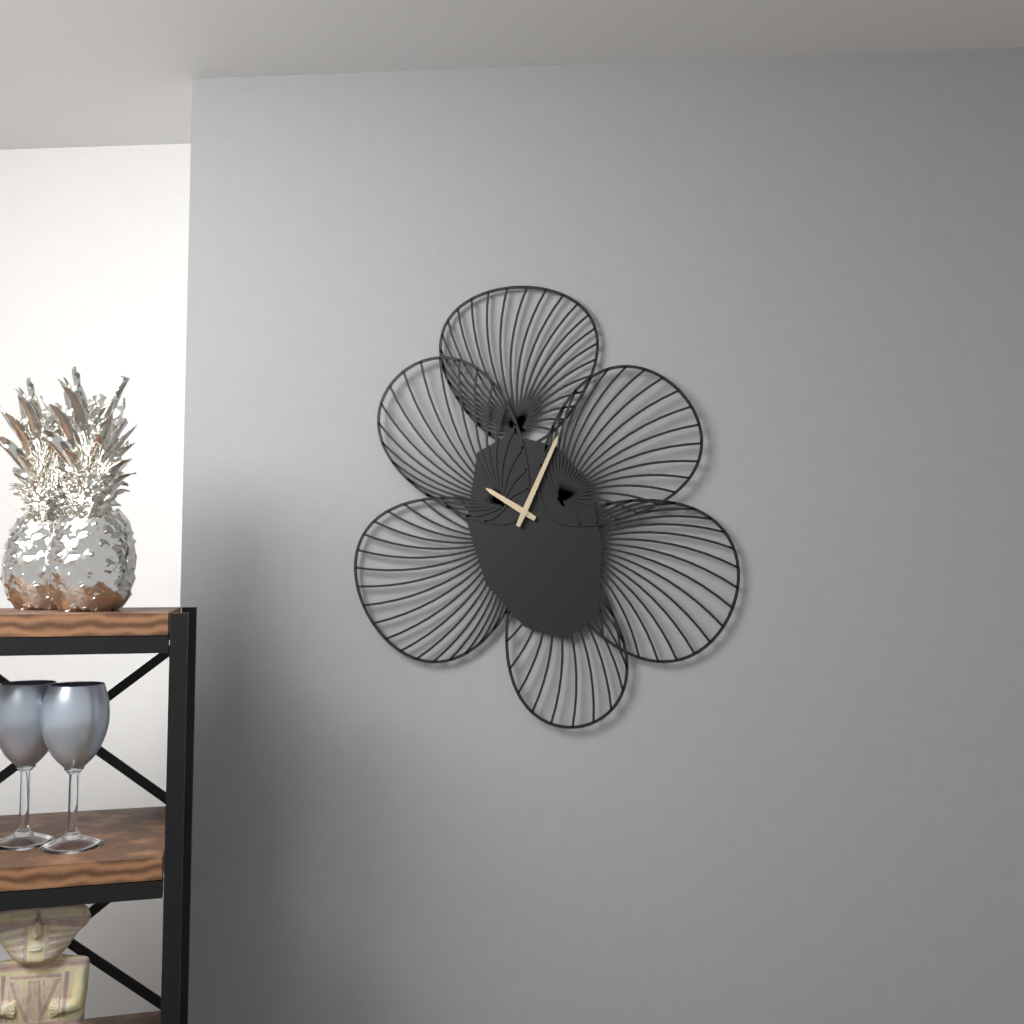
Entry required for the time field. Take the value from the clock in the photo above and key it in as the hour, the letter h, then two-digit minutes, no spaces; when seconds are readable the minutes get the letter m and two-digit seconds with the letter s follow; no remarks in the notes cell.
10h04
